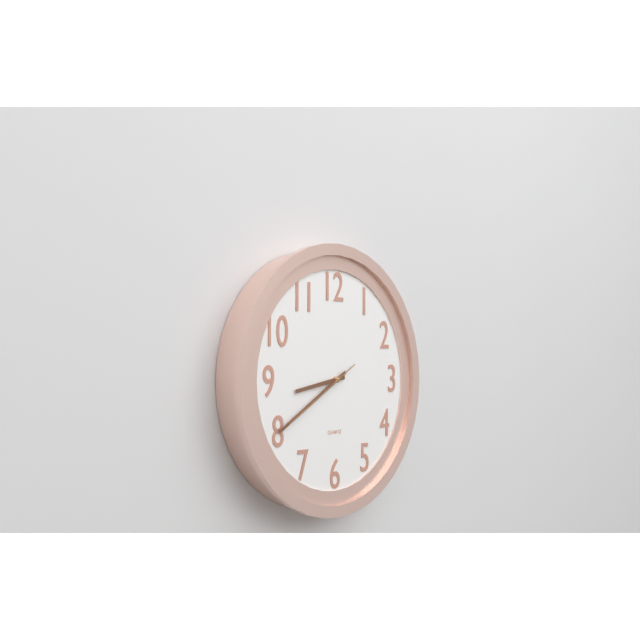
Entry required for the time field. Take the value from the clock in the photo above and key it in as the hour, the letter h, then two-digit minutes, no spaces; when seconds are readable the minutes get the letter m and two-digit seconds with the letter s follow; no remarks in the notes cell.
8h40m40s
